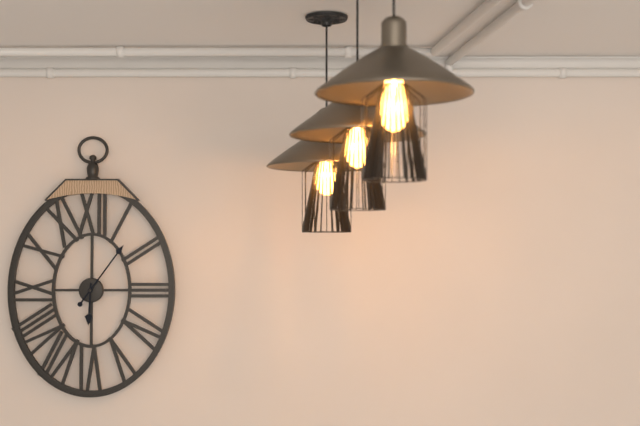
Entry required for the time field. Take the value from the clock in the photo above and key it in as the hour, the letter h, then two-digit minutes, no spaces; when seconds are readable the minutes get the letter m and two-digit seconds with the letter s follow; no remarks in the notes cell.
6h06
